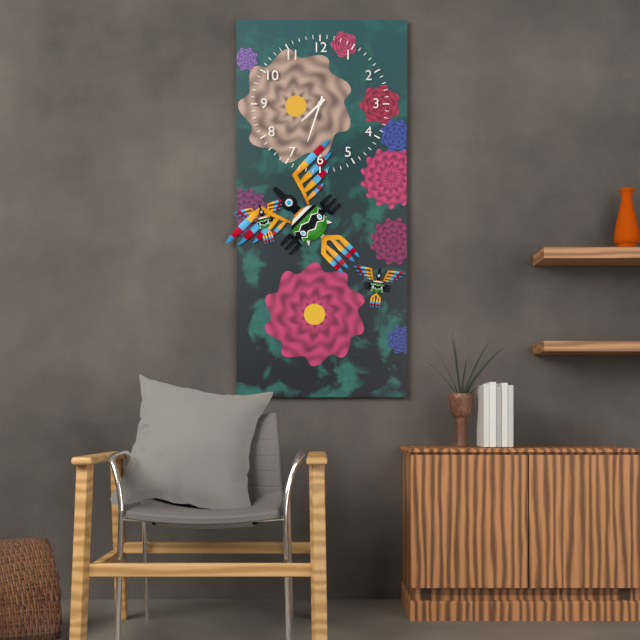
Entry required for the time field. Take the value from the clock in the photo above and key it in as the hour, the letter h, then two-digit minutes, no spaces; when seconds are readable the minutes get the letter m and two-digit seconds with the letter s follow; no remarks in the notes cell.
7h33
